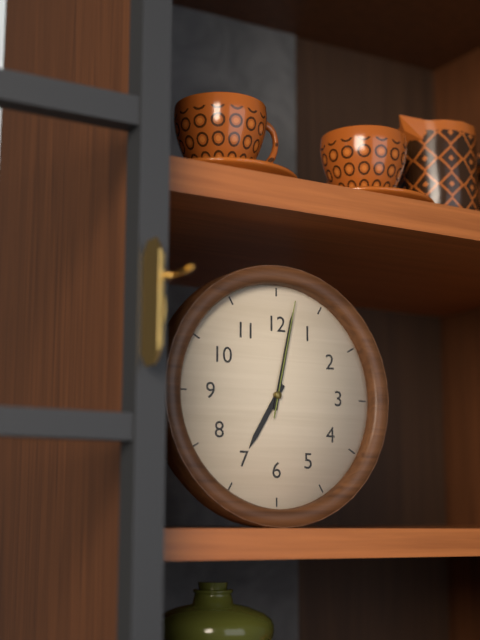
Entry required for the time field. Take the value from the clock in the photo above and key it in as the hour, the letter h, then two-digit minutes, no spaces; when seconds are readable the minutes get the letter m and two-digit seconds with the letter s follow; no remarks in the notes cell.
7h02m02s
